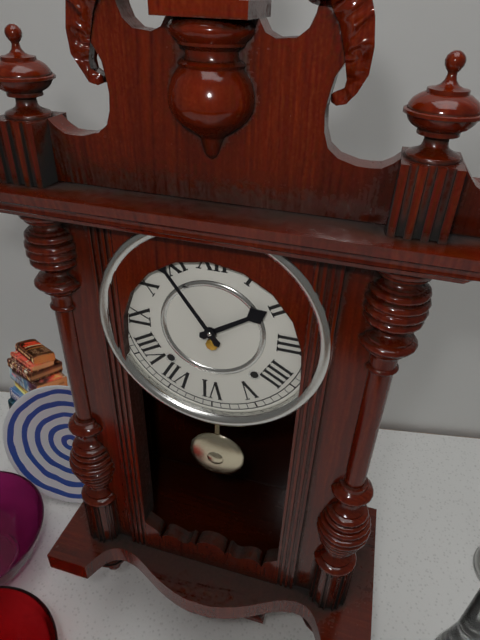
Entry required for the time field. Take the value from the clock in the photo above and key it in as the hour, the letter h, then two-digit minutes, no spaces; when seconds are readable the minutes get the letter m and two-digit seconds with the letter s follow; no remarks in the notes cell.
1h54
